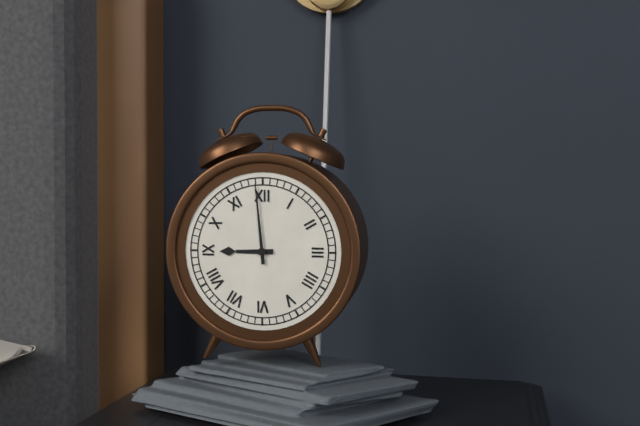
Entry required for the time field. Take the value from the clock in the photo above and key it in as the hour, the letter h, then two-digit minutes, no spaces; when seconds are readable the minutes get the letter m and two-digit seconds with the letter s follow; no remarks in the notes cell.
8h59
